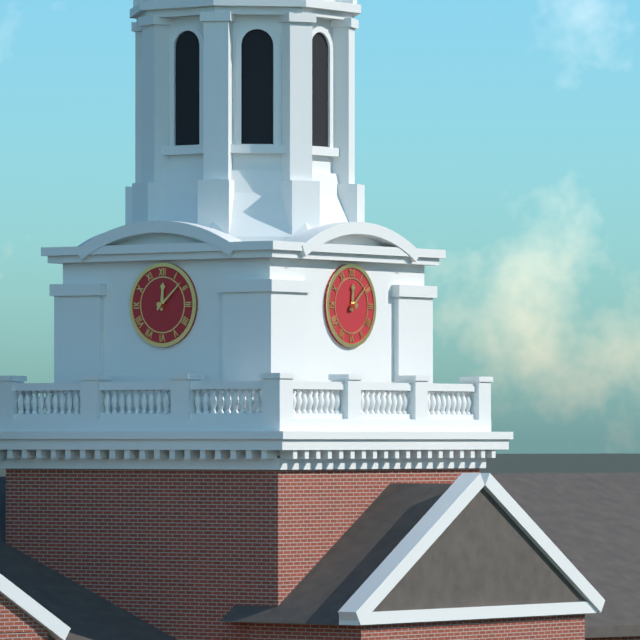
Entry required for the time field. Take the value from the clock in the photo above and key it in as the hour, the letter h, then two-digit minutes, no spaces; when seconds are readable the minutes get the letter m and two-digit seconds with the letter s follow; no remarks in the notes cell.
12h08
